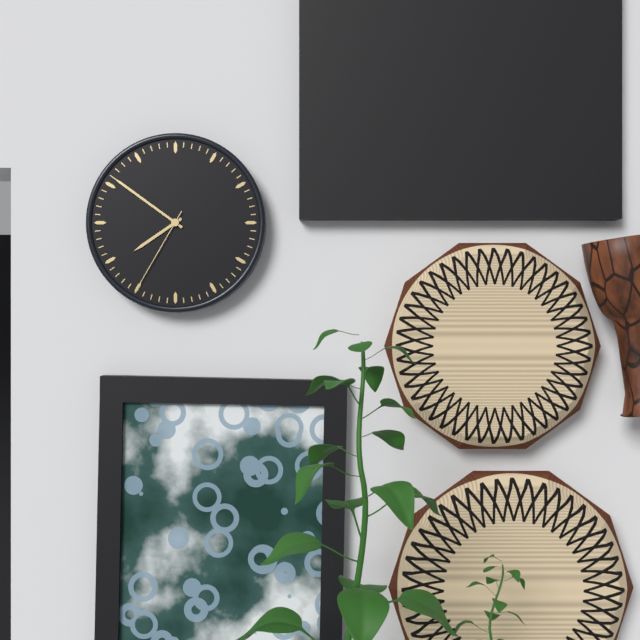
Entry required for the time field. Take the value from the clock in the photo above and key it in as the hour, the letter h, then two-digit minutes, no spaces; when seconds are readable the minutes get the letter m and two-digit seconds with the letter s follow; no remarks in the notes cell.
7h51m35s
